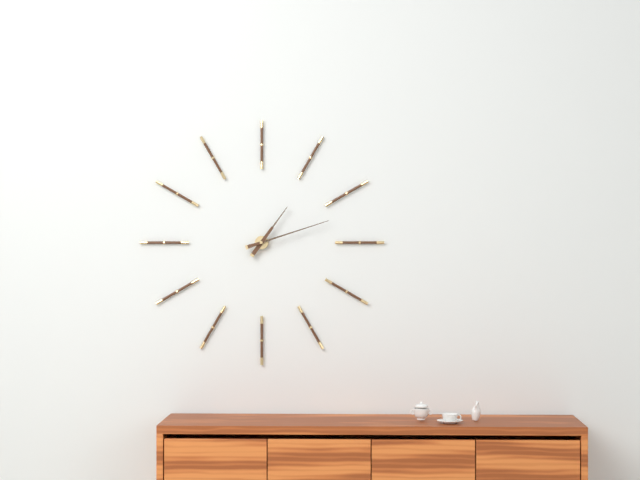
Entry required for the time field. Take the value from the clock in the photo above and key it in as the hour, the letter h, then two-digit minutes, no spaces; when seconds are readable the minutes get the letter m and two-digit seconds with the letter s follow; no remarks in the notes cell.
1h12
